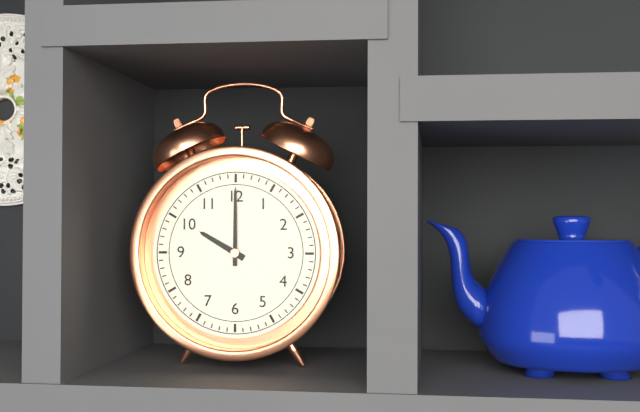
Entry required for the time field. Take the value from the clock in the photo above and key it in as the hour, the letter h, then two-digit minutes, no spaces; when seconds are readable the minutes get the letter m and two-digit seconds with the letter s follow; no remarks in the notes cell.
10h00
